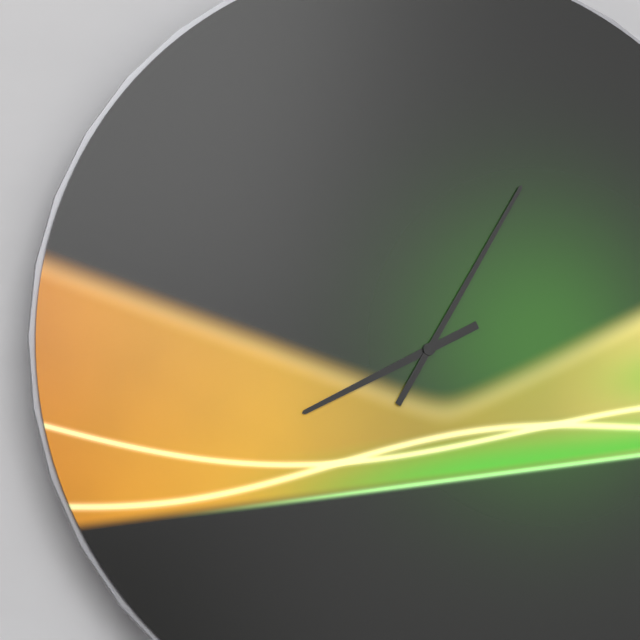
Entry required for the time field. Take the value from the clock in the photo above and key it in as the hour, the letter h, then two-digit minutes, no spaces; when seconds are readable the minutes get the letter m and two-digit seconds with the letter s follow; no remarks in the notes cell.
8h05
